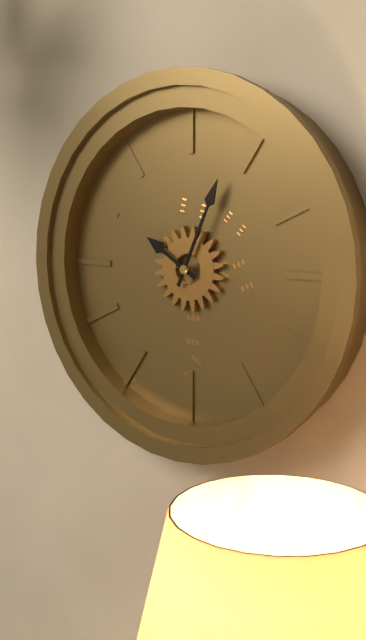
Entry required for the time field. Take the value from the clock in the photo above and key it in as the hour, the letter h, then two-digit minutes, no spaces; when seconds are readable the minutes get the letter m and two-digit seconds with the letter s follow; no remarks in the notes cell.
10h04
